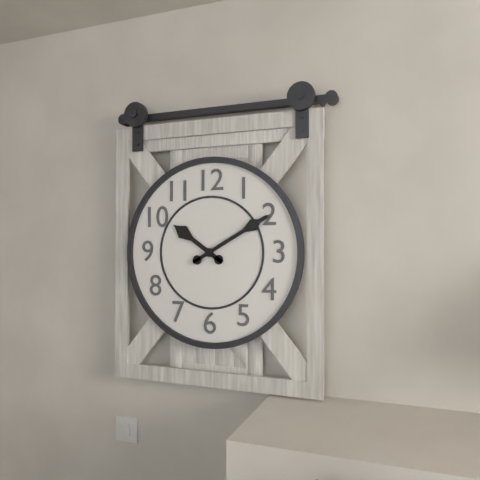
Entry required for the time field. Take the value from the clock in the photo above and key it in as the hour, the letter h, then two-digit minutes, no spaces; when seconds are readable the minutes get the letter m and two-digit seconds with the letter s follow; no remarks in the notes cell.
10h10
